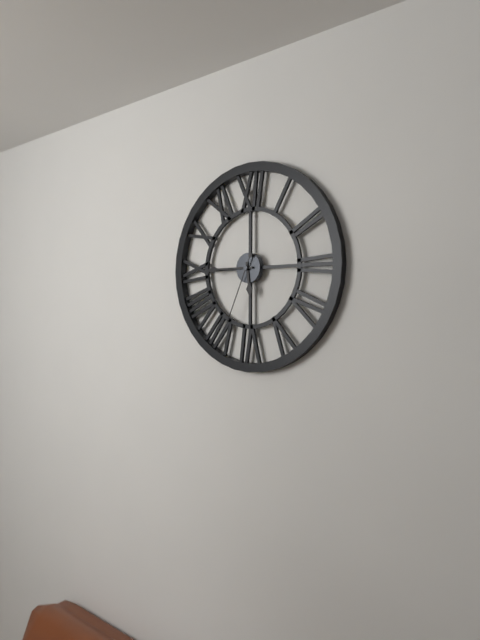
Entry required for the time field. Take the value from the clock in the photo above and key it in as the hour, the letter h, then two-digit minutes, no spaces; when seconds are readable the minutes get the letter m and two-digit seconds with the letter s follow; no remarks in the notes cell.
5h45m34s
